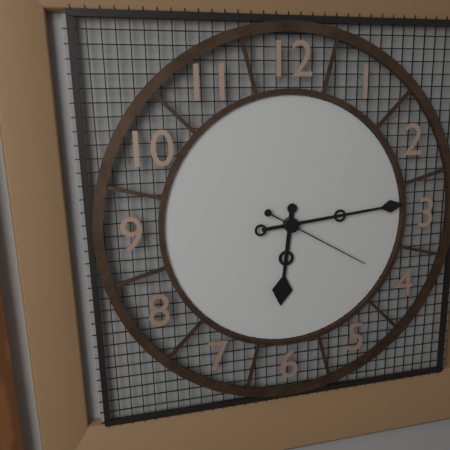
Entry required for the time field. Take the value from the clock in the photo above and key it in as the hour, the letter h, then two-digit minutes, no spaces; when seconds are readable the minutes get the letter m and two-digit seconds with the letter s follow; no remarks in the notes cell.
6h14m20s
